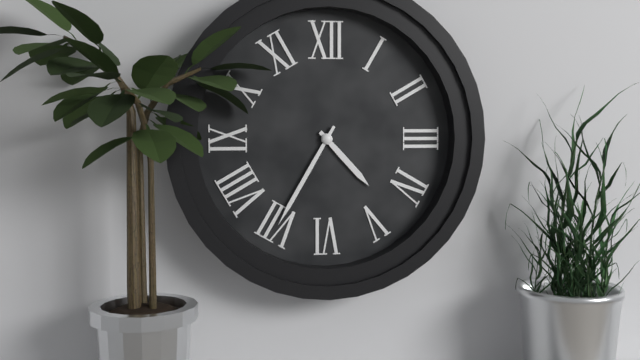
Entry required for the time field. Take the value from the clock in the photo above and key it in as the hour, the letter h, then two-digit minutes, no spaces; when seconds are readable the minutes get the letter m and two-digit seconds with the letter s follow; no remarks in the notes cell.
4h35
